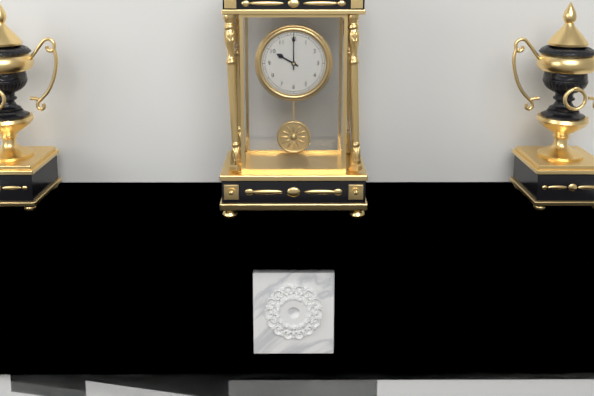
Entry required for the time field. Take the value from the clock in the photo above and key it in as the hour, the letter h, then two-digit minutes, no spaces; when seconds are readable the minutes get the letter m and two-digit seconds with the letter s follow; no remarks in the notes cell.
10h00
